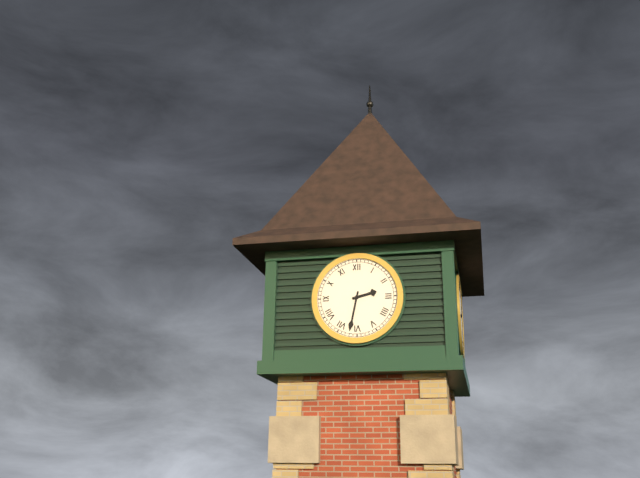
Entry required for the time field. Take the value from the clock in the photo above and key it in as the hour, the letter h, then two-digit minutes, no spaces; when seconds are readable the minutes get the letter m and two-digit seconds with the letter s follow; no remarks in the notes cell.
2h32
